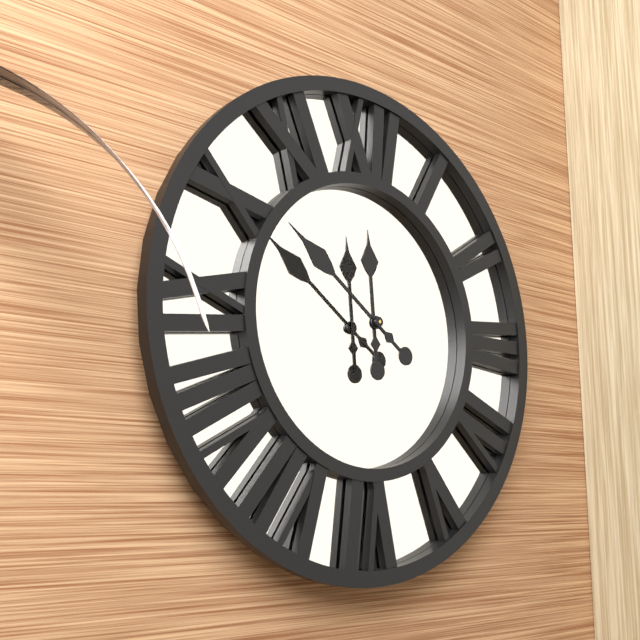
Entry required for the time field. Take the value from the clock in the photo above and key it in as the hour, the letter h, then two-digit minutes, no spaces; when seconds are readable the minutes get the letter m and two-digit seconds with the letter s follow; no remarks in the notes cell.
11h51
